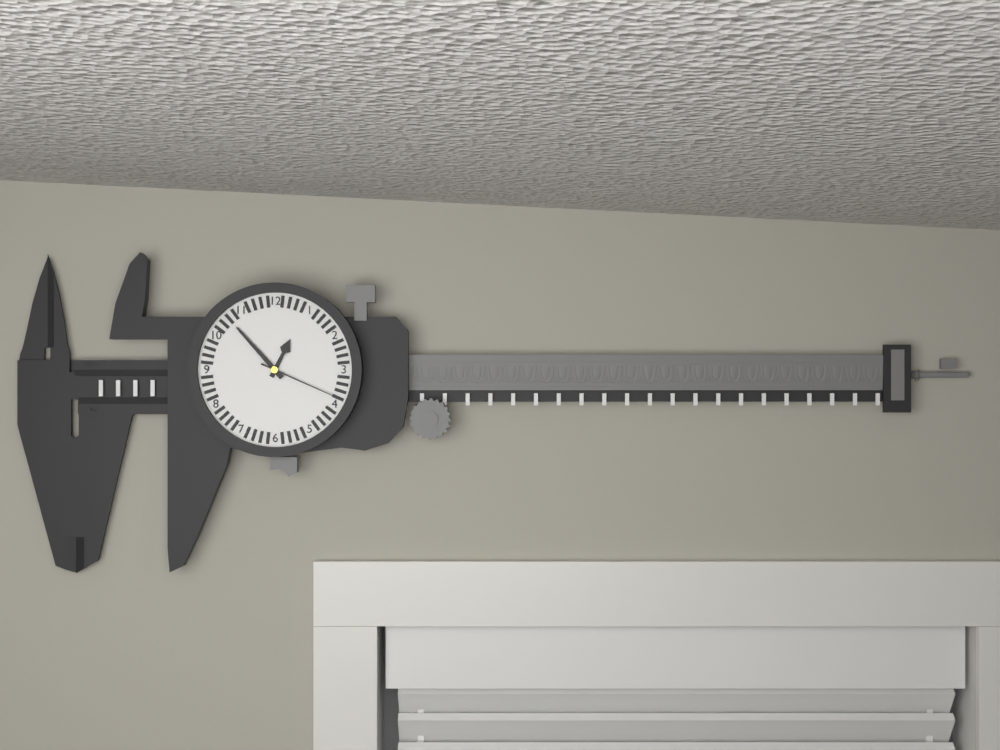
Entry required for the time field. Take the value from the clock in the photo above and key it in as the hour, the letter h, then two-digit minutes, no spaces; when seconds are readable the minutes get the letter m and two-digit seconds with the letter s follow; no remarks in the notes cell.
12h53m19s
